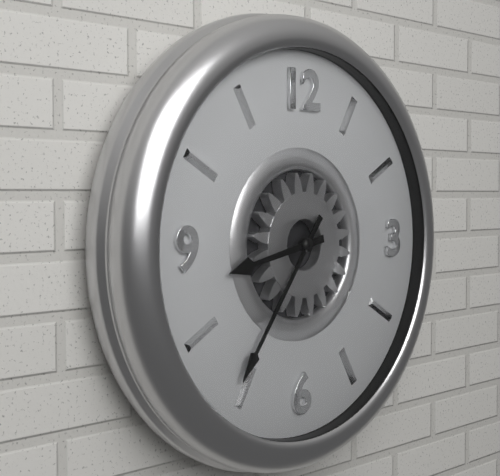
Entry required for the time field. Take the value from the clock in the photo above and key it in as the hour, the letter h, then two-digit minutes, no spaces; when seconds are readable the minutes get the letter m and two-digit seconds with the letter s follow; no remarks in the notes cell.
8h36
